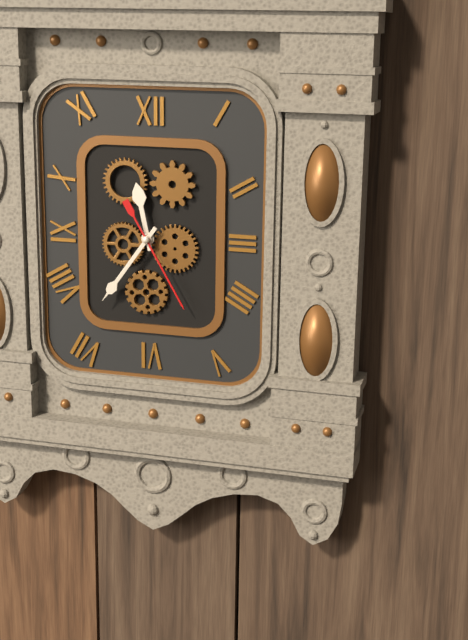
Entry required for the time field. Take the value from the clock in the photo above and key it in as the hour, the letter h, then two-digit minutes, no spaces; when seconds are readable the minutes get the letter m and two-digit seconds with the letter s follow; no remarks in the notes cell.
11h36m25s
